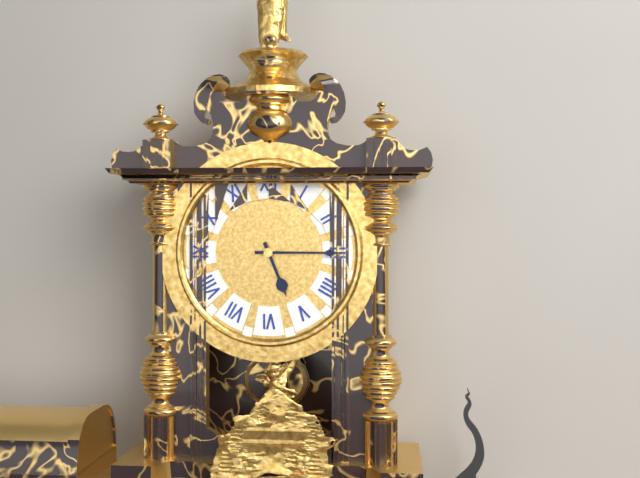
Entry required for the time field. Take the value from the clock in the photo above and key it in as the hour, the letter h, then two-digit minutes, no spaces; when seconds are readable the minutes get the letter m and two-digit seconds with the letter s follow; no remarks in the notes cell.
5h15
